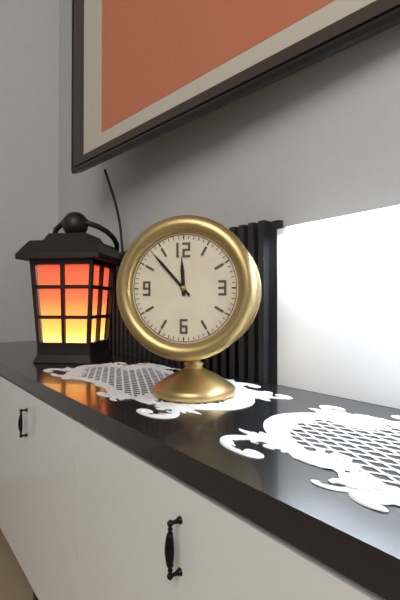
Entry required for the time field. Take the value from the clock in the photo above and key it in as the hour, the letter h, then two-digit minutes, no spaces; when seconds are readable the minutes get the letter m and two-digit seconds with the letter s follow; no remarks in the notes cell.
11h53
